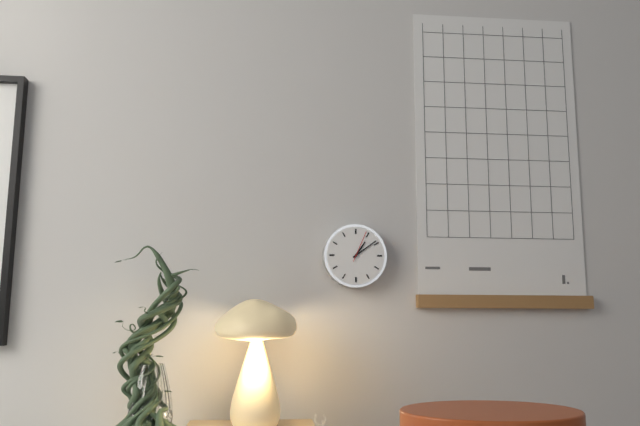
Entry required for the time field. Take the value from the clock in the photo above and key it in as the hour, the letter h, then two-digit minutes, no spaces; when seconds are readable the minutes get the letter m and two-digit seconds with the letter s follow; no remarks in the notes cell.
1h09
